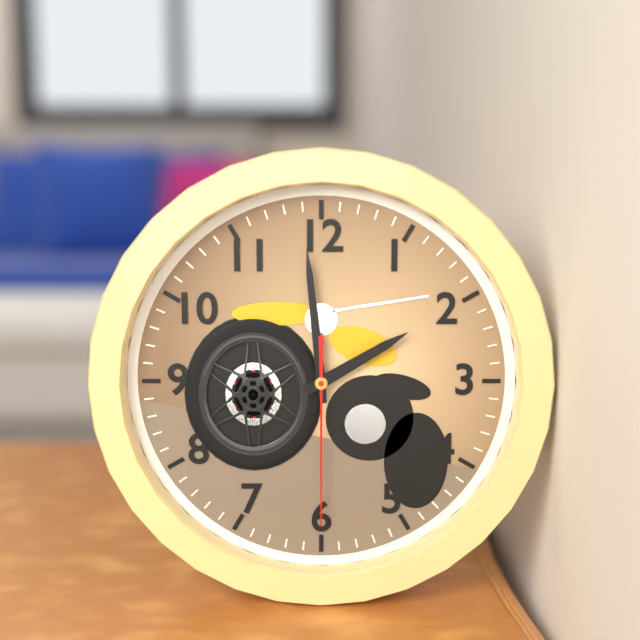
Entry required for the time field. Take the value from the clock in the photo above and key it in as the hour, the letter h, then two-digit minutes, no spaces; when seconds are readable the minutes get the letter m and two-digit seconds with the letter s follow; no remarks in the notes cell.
1h59m30s
